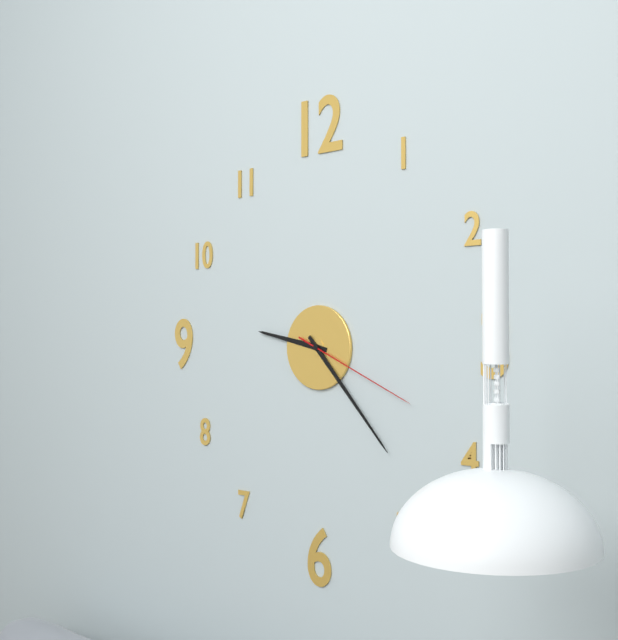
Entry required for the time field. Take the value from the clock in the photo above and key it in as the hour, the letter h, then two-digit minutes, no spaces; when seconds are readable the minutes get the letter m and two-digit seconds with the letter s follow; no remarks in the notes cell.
9h23m19s
